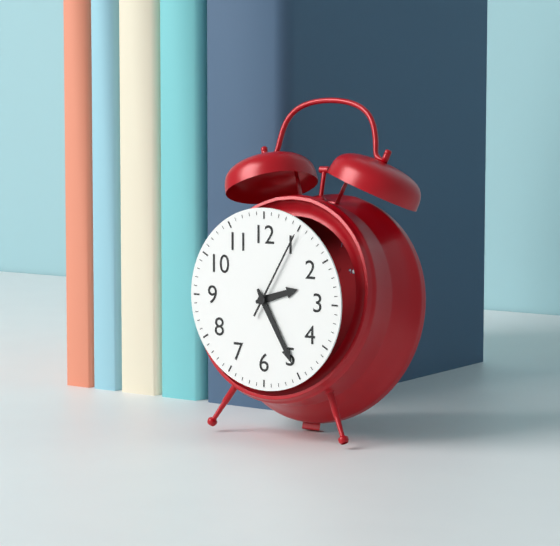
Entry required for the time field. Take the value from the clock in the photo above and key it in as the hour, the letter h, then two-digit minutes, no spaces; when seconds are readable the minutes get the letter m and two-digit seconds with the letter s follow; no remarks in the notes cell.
2h25m05s
